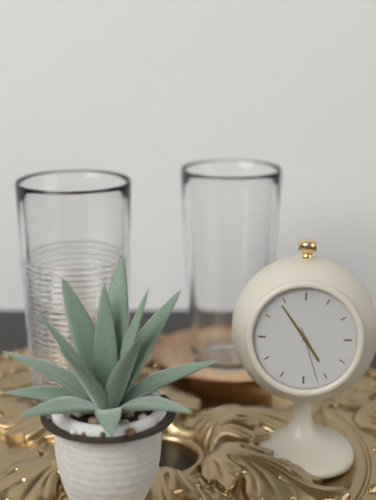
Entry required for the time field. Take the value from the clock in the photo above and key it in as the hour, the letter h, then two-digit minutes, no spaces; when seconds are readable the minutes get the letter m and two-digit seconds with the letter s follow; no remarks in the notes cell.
4h54m27s
